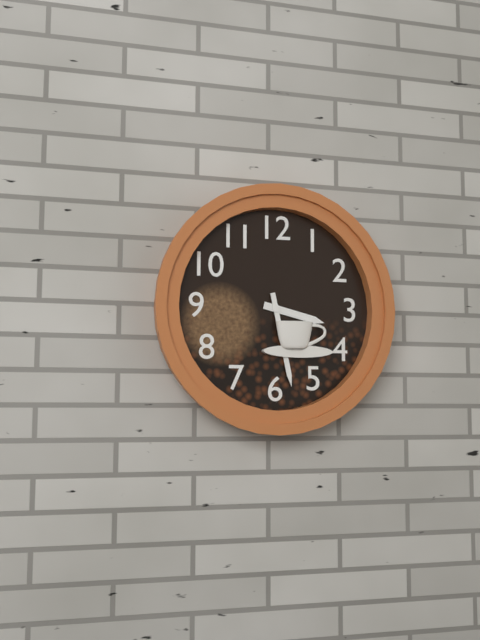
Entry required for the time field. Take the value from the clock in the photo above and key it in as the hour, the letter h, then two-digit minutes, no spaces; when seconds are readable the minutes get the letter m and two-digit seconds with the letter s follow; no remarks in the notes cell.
3h28
